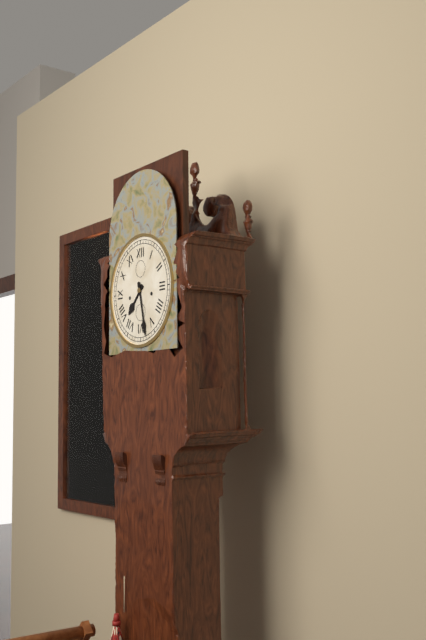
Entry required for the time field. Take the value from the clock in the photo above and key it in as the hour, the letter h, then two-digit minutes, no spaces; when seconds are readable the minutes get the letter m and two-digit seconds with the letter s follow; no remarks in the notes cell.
7h28
